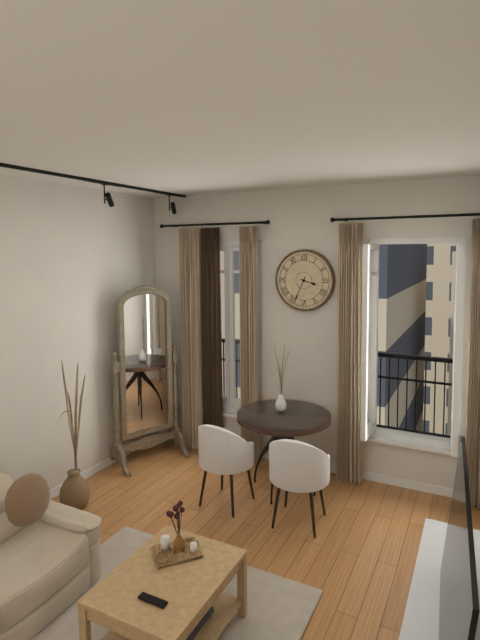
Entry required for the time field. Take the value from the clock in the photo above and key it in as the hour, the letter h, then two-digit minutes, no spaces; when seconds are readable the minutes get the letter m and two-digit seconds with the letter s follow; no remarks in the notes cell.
3h34
